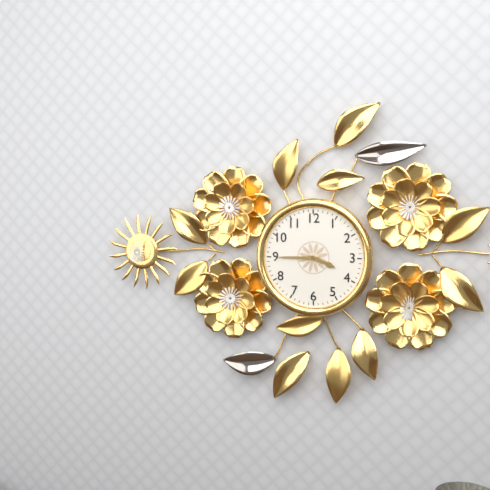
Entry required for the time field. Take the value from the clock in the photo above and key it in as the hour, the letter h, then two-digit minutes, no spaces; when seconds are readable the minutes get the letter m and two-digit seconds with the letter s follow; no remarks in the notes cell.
3h45
